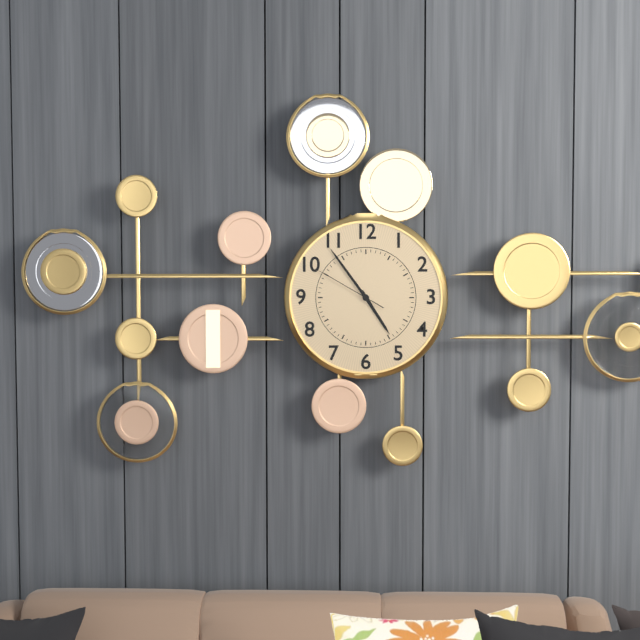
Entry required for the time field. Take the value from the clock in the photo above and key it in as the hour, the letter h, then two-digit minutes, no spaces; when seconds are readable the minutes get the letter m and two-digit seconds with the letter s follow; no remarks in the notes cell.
4h54m50s
